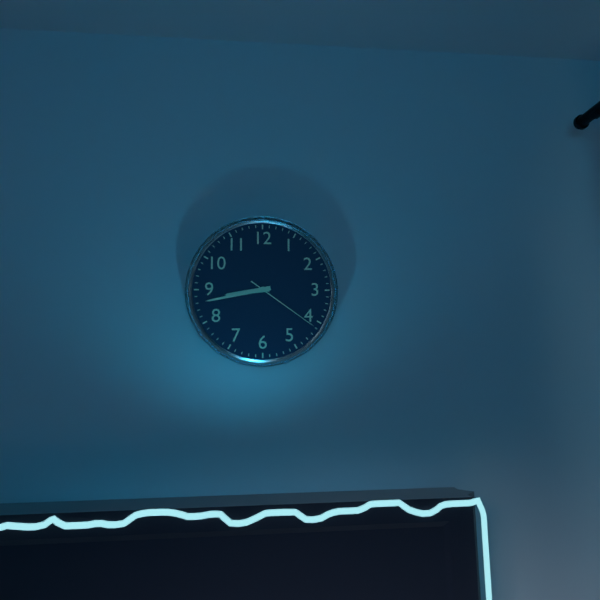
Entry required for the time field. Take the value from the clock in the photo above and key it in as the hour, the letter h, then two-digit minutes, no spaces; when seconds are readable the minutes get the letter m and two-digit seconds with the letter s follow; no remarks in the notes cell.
8h43m21s
